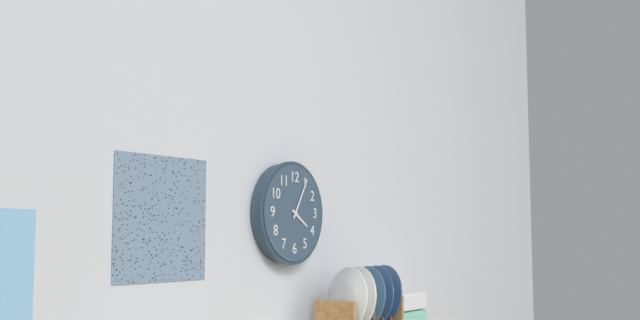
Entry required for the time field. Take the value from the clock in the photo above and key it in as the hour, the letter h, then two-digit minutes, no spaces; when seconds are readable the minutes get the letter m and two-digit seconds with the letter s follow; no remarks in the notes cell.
4h05
